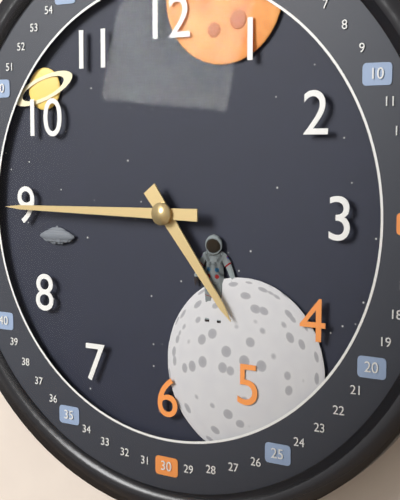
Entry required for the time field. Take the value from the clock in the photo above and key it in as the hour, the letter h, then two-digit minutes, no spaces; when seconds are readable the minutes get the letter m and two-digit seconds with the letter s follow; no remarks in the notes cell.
4h45
